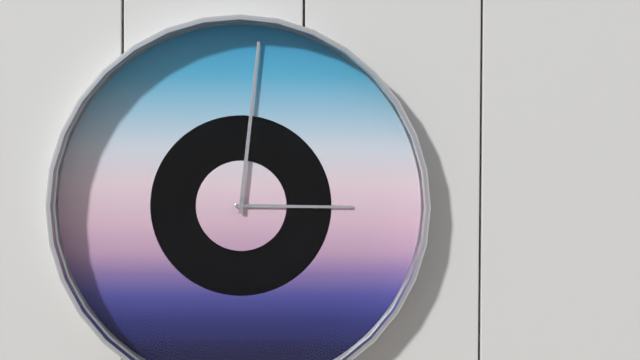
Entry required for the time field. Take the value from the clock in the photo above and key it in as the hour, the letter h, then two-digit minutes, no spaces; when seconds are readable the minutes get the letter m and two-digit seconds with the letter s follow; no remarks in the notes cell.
3h01
